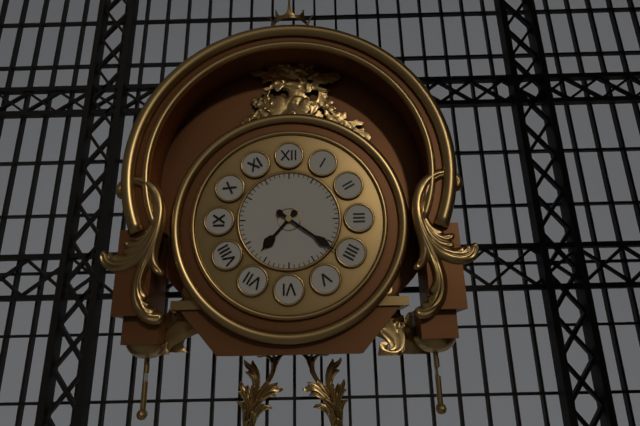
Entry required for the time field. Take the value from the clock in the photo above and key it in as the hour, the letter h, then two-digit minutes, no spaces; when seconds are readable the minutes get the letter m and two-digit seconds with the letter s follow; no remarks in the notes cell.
7h21
